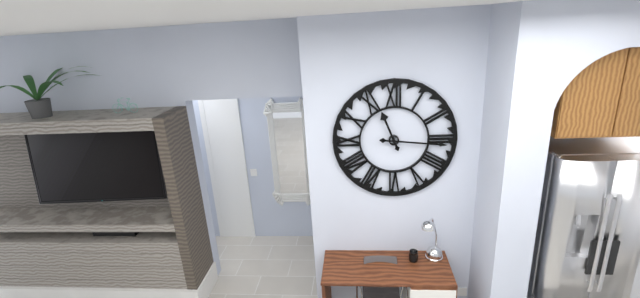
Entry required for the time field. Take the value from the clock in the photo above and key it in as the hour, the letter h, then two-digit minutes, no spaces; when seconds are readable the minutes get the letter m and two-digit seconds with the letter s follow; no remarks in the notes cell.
11h16
